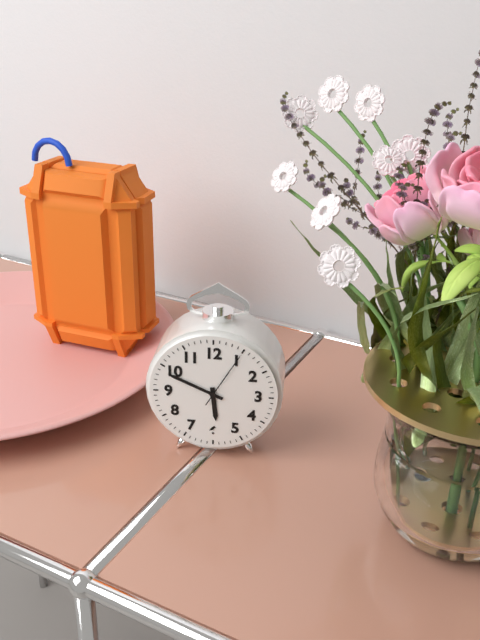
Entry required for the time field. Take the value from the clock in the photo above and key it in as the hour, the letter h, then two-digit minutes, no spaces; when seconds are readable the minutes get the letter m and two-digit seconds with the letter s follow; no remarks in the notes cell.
5h49m05s
